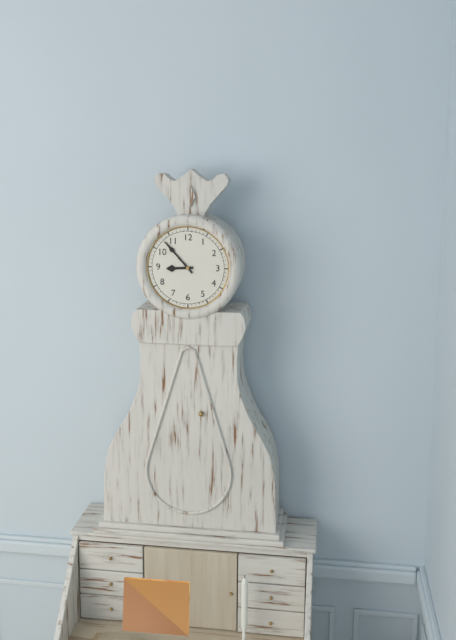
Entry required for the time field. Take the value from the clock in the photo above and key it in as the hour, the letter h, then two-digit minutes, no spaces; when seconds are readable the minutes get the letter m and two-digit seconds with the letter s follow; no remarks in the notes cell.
8h53
